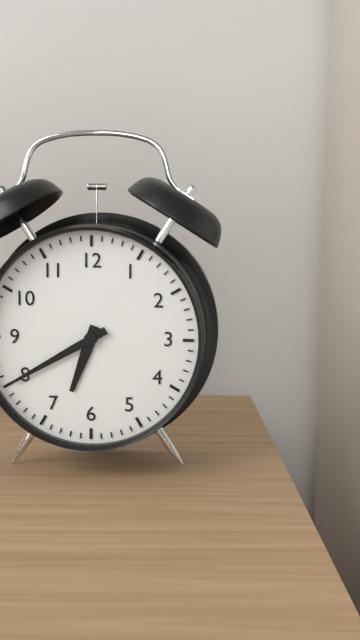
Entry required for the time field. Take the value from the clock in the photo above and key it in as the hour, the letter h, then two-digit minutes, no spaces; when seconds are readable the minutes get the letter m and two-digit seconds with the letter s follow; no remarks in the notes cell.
6h40
